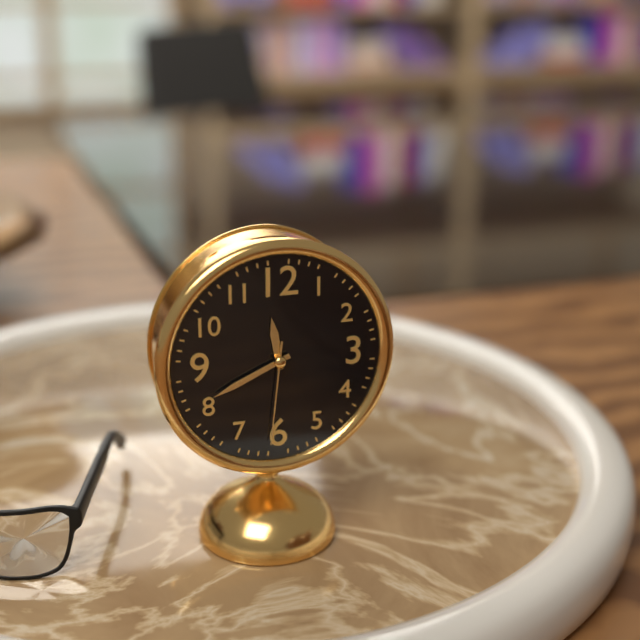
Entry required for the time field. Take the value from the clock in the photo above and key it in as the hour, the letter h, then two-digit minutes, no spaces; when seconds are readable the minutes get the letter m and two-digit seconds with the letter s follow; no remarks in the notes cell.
11h41m31s
